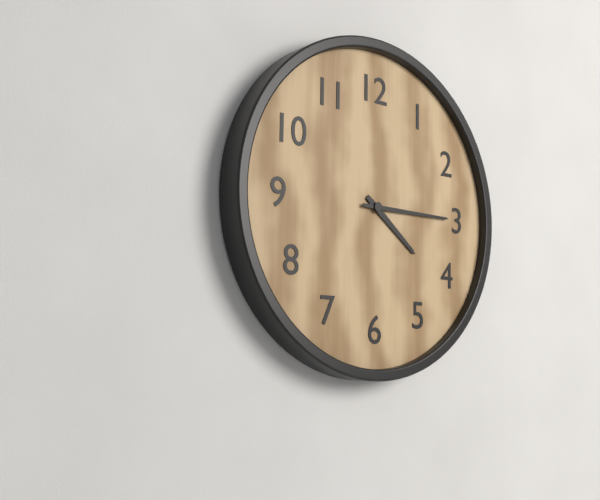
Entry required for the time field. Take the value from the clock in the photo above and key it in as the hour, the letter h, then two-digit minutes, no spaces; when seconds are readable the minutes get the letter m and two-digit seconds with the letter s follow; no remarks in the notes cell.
4h15
